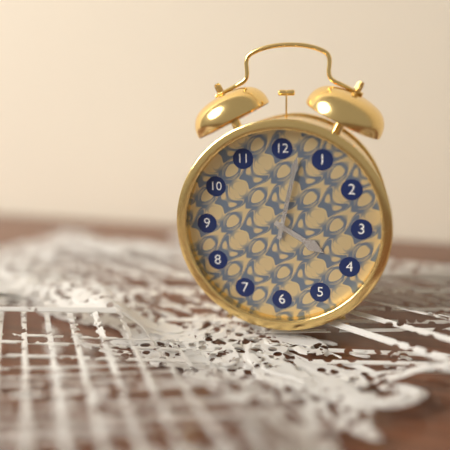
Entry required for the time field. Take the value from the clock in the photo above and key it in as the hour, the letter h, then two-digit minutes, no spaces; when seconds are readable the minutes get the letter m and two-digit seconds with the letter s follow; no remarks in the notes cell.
4h02
